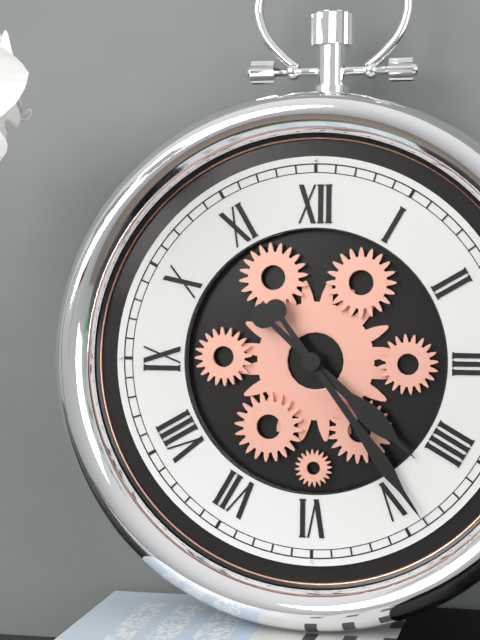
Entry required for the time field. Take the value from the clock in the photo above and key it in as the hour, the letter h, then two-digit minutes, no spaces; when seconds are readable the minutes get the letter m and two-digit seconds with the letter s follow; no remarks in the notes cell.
4h24
